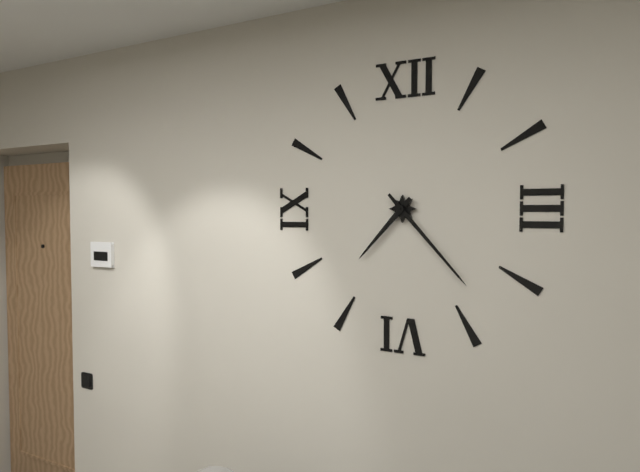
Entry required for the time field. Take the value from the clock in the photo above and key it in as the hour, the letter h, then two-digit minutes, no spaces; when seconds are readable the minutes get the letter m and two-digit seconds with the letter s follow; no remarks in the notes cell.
7h23
